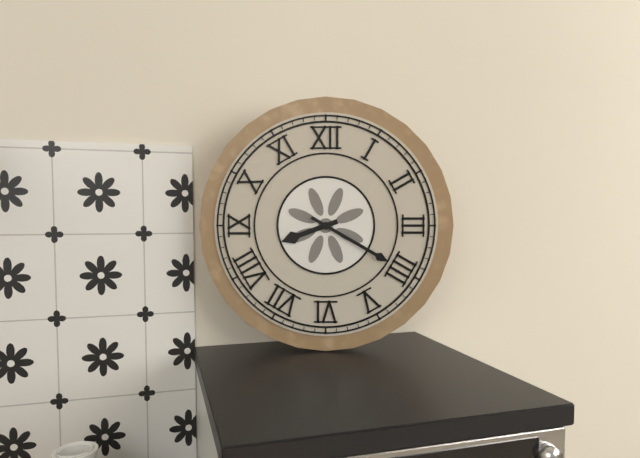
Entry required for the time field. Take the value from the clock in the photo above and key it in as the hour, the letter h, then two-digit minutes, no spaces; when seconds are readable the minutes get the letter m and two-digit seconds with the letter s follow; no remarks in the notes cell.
8h20
